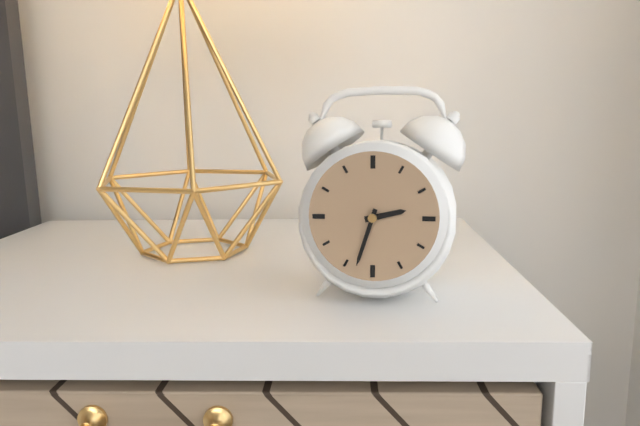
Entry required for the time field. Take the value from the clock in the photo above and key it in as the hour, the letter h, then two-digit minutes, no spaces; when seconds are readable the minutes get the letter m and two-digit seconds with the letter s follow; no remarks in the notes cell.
2h33
